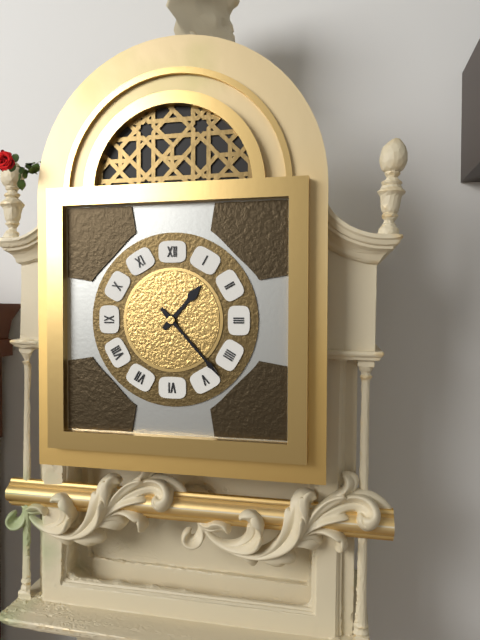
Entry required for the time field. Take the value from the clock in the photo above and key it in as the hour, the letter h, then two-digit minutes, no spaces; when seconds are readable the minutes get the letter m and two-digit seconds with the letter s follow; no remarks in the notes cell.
1h23
